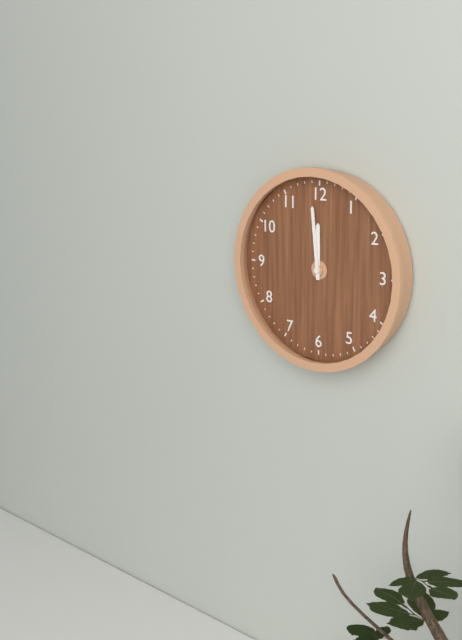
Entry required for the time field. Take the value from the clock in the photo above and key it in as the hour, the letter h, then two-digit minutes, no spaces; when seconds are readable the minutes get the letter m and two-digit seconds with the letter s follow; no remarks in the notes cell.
11h59
